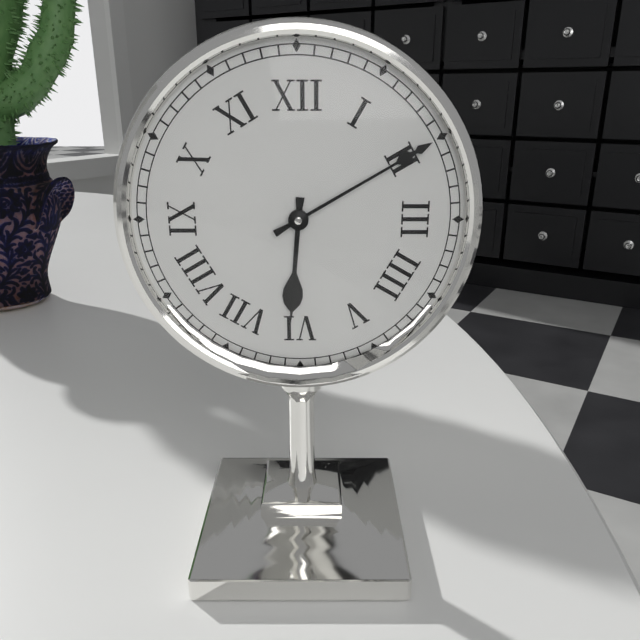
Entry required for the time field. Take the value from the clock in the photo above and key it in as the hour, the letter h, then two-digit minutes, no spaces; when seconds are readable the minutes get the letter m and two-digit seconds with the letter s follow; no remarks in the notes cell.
6h10
